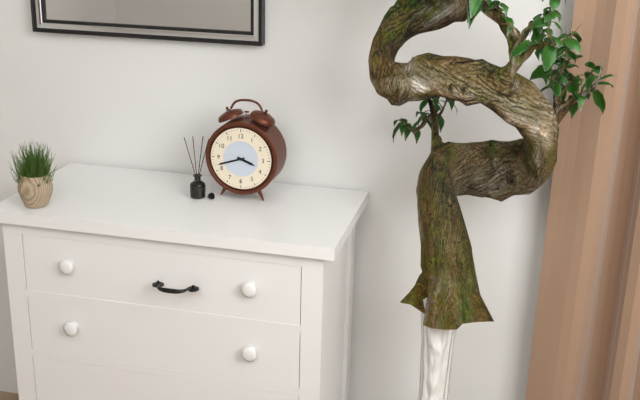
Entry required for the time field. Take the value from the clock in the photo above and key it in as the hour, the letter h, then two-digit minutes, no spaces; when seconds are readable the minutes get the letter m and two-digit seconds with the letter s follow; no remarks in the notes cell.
3h42
